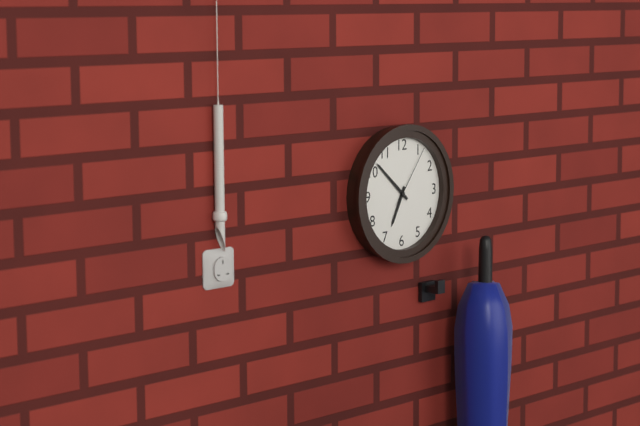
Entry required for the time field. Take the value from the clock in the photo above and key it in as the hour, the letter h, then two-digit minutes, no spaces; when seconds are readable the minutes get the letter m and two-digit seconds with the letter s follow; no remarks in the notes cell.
6h52m06s
